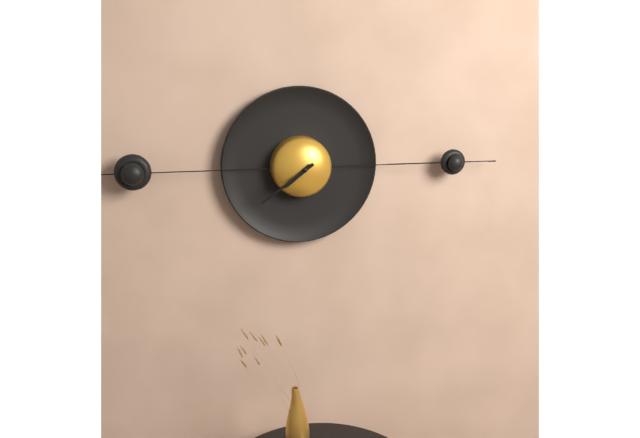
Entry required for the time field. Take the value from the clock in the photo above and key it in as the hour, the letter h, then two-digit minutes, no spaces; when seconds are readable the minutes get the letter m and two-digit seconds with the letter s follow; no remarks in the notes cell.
7h39
